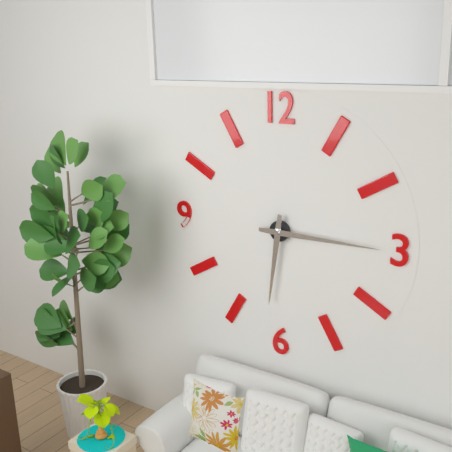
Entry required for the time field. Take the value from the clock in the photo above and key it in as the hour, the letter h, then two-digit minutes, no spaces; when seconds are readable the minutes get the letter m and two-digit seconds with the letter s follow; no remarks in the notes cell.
6h15
